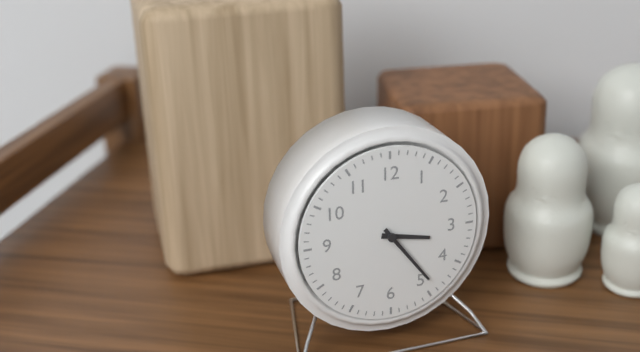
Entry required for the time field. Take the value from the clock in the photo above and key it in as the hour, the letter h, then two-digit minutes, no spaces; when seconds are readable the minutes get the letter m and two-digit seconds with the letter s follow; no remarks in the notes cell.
3h24
